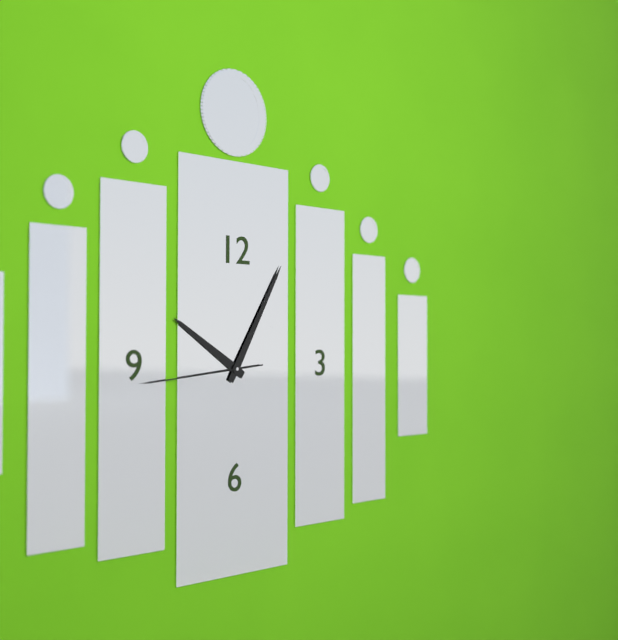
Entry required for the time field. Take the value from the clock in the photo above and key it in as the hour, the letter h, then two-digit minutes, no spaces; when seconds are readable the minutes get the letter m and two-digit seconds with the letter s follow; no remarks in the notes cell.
10h05m44s
